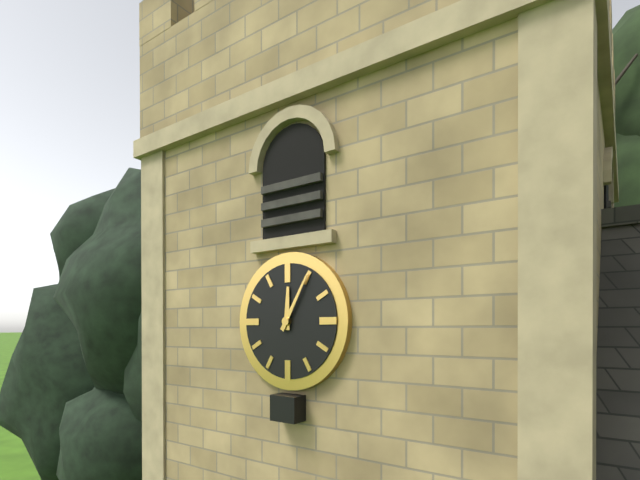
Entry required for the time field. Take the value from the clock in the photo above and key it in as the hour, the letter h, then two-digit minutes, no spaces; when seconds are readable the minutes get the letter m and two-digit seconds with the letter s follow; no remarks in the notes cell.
12h05
